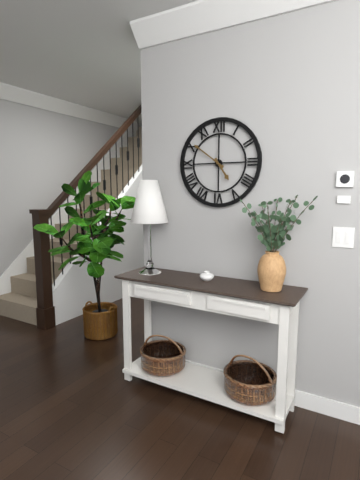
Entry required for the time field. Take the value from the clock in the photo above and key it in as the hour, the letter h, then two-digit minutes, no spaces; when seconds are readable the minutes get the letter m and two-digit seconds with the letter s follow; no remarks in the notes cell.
4h51
